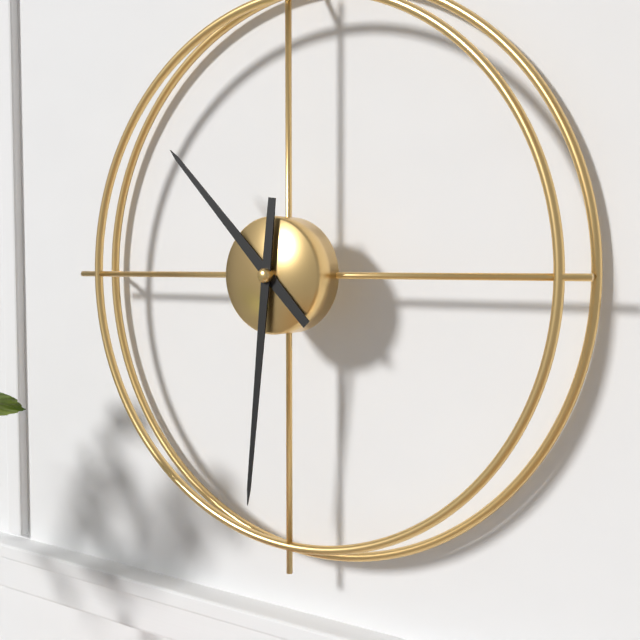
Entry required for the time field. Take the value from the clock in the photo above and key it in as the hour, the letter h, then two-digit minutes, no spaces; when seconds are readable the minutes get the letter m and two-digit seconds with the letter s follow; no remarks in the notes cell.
10h31
